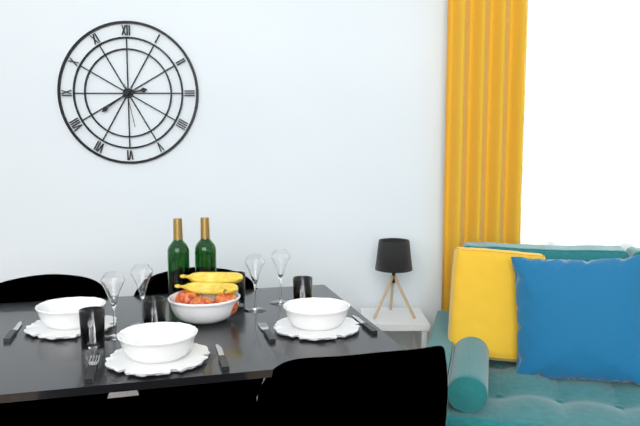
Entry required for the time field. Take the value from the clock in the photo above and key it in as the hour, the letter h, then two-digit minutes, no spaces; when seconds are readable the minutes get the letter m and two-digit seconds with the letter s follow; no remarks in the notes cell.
2h39
